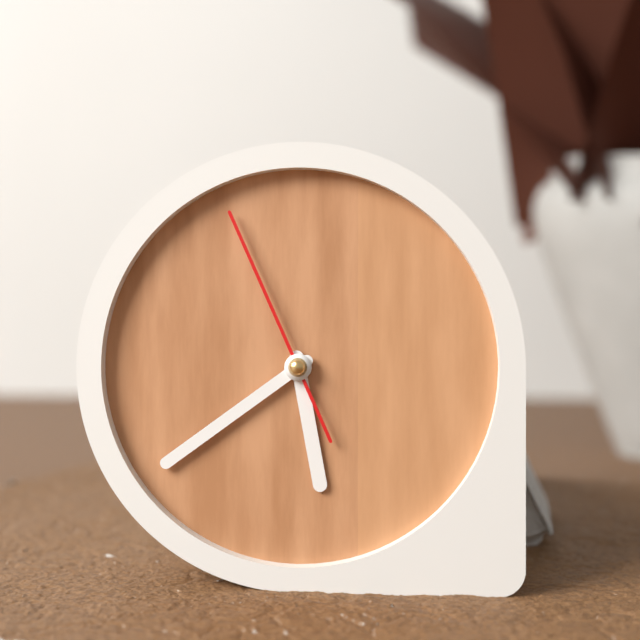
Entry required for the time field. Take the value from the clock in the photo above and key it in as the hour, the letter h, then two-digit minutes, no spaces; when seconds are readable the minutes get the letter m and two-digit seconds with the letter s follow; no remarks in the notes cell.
5h39m56s
